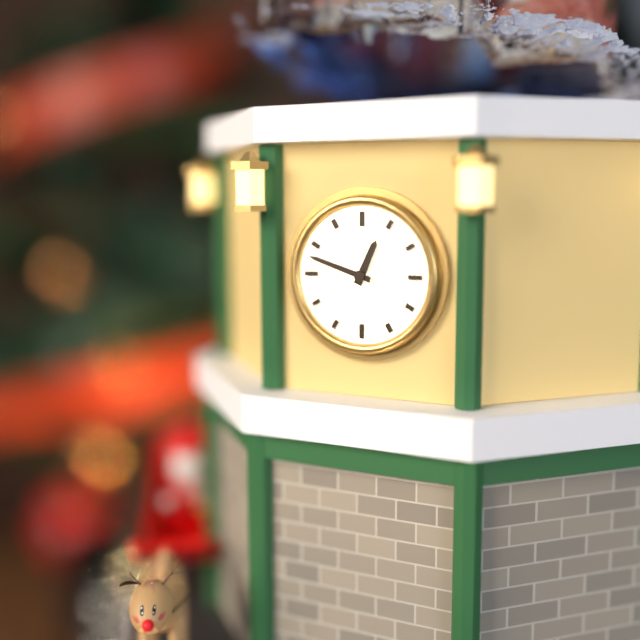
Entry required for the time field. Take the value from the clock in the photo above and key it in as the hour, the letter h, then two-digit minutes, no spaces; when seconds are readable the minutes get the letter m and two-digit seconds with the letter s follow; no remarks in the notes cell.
12h48
